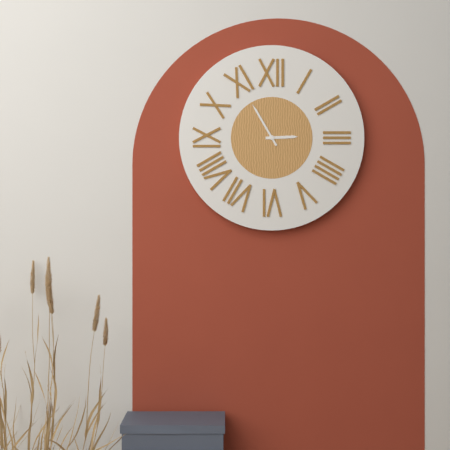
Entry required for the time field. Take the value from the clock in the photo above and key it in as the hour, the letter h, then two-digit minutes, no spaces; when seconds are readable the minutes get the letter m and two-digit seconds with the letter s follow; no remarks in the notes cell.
2h55
